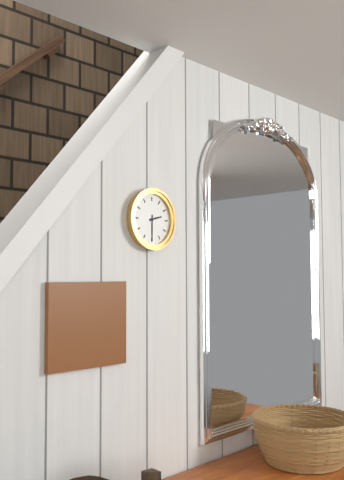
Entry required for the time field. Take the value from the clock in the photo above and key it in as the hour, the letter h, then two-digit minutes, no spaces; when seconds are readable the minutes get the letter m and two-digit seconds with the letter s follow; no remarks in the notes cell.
2h30
